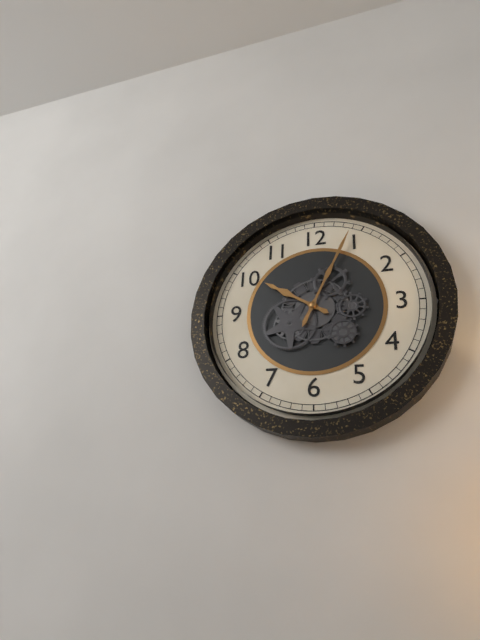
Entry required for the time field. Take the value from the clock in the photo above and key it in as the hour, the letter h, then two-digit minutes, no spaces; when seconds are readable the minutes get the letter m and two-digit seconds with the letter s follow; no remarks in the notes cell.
10h04
